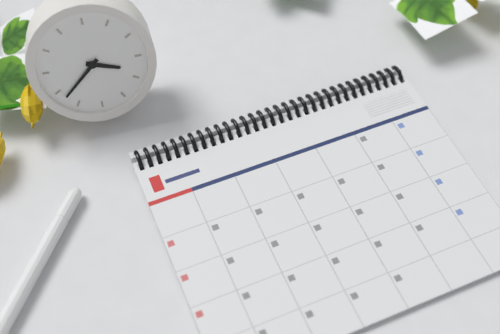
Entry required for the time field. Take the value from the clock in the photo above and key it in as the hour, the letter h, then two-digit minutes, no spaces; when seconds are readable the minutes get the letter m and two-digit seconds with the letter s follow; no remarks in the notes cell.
3h38
